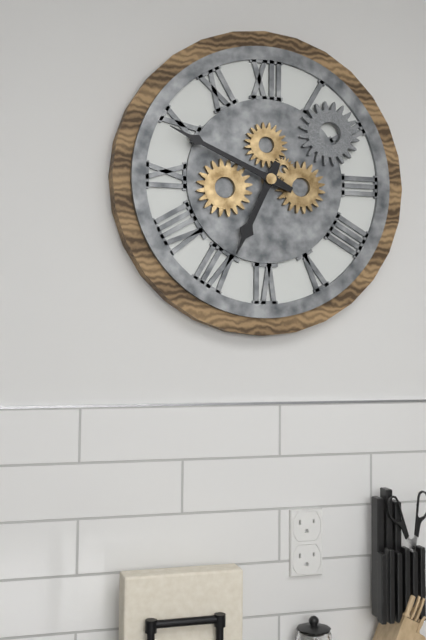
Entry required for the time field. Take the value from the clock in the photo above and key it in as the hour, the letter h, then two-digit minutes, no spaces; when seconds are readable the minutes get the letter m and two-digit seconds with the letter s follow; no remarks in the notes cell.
6h49
